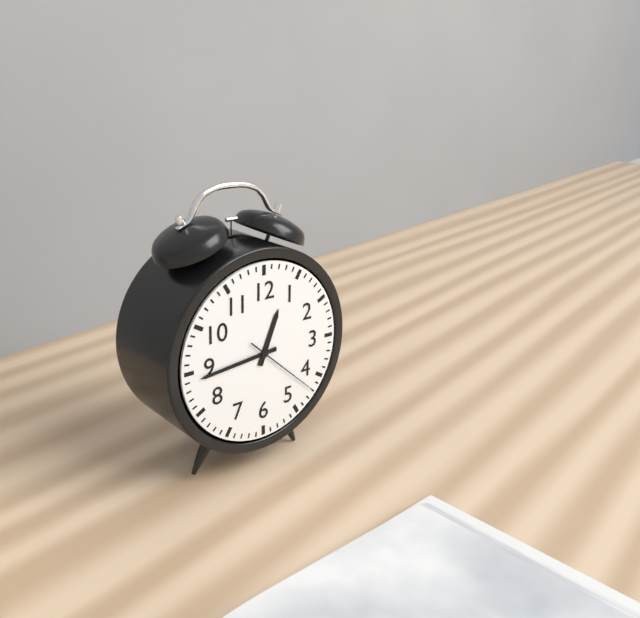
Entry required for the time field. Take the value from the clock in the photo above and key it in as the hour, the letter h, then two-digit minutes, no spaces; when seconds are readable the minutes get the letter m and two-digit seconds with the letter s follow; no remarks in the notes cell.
12h44m22s
